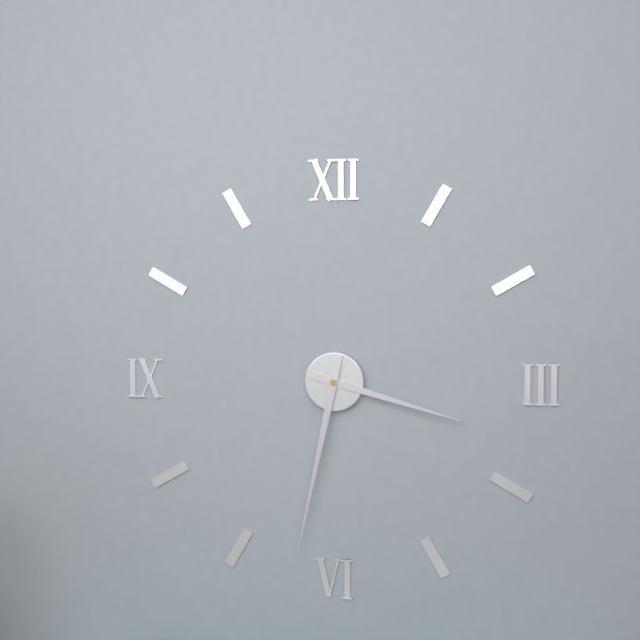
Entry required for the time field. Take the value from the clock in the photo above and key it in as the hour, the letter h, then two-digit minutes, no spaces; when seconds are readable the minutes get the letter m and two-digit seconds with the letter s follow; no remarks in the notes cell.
3h32
